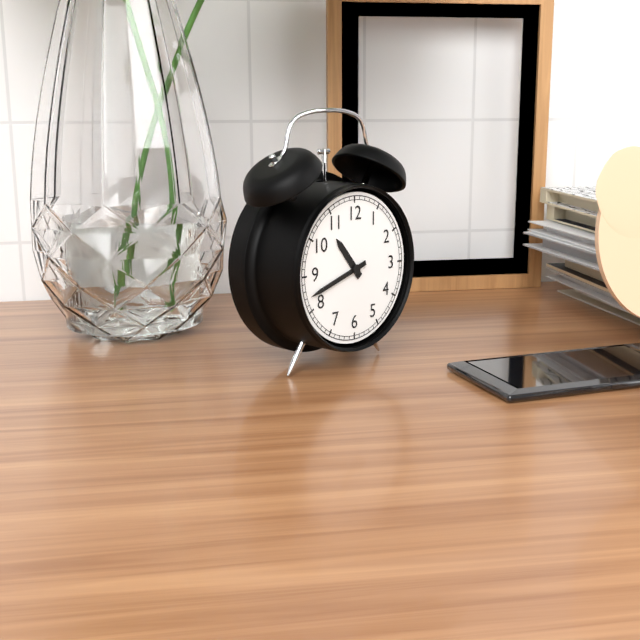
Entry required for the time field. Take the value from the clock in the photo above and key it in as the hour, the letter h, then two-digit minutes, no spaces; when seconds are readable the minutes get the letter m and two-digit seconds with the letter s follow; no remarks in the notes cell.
10h42
